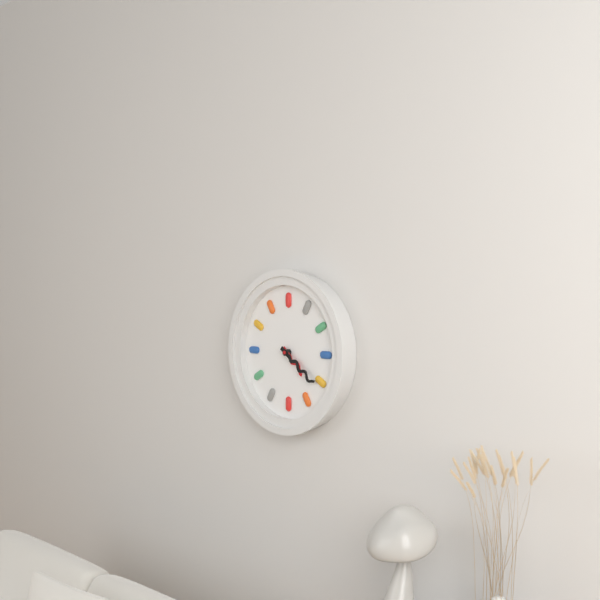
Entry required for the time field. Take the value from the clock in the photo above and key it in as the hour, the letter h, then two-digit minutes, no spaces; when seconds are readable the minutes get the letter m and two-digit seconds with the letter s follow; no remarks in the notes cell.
4h21
